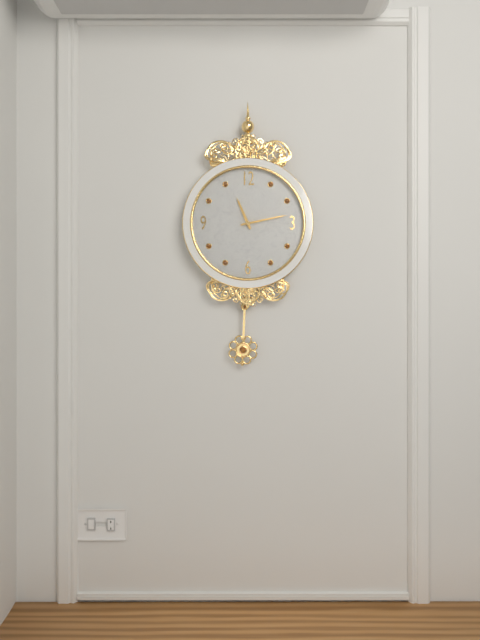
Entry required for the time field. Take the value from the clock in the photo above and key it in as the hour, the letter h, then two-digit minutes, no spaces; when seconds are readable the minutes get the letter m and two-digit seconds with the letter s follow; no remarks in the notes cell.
11h13
